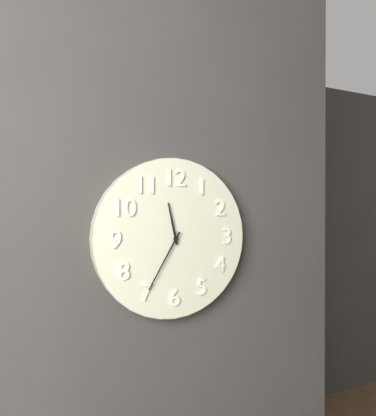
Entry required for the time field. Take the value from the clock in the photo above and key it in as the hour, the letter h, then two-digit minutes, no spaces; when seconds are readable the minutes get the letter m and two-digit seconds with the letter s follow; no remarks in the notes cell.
11h35
